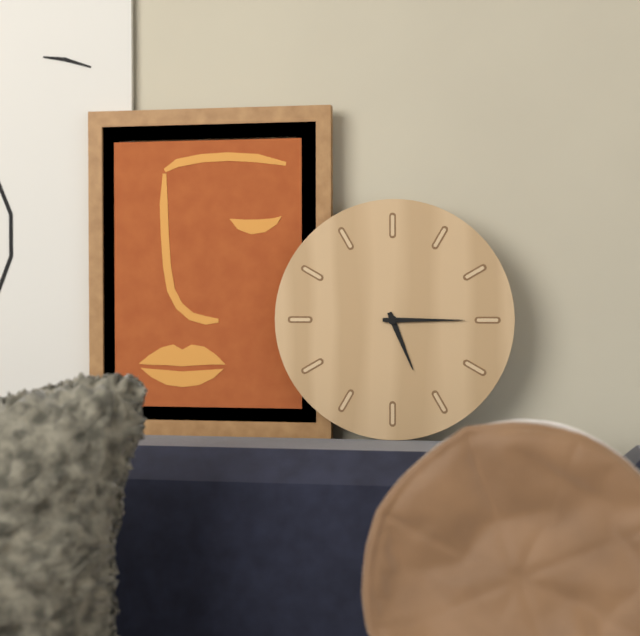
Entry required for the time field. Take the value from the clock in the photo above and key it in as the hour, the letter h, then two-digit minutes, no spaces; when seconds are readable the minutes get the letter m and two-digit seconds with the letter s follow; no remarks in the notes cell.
5h15
